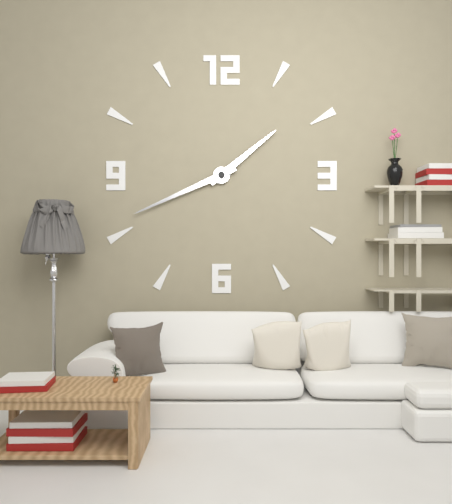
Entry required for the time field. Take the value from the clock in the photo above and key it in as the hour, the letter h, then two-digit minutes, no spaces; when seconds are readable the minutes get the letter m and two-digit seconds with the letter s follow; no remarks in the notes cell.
1h41
